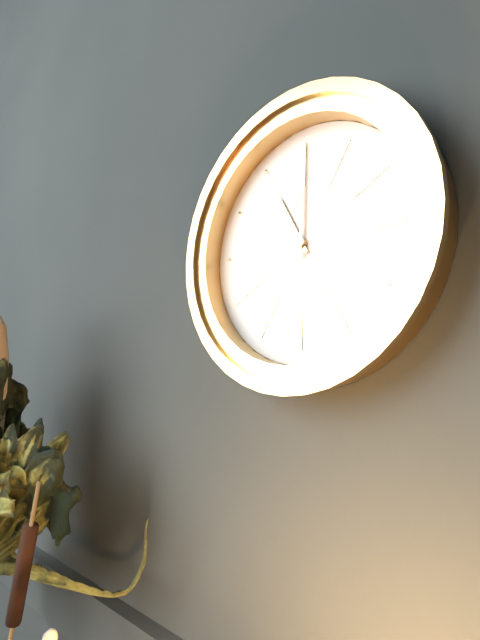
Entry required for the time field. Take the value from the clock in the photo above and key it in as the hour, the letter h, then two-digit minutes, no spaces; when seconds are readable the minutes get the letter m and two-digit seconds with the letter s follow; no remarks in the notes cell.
11h00
